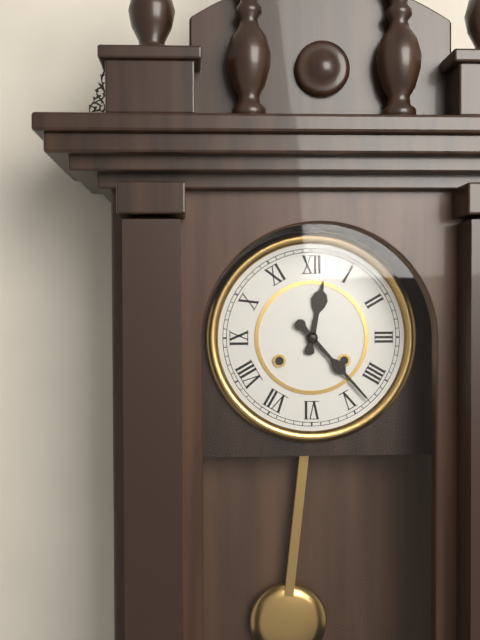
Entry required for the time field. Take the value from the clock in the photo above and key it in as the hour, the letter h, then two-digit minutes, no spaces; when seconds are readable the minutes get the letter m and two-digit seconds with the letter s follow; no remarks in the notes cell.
12h23
